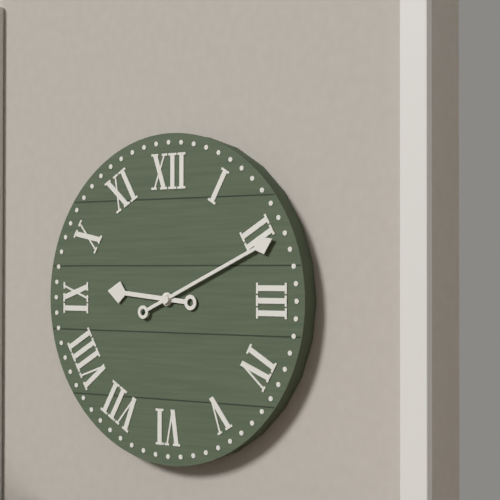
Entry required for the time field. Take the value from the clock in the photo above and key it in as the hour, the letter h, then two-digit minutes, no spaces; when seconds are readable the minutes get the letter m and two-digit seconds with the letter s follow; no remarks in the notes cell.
9h11
